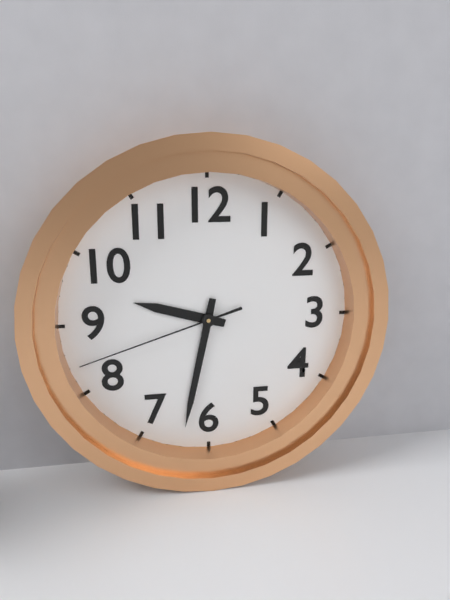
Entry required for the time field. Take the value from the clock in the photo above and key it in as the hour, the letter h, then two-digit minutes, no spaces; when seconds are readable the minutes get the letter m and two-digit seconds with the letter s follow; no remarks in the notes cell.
9h32m42s
